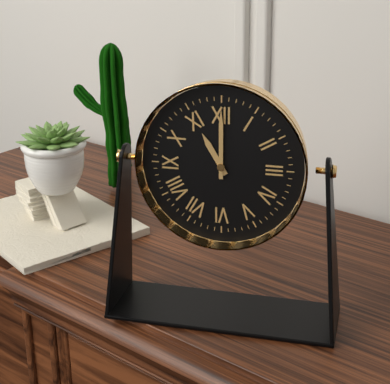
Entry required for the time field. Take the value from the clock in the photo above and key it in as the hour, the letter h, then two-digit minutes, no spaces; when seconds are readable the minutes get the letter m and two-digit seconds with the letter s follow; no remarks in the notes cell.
11h00
